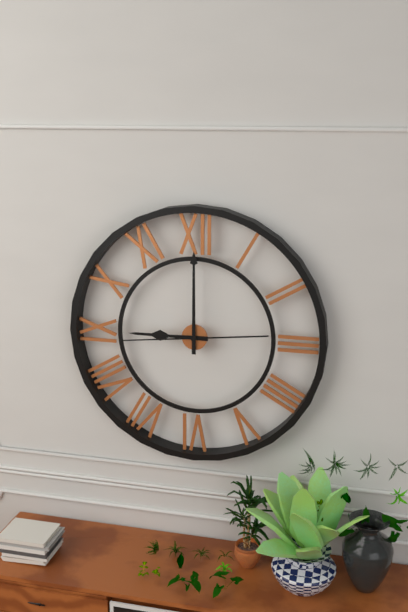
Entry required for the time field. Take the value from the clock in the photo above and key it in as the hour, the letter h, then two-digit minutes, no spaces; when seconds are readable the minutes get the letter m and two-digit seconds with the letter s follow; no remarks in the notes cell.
9h00m44s
